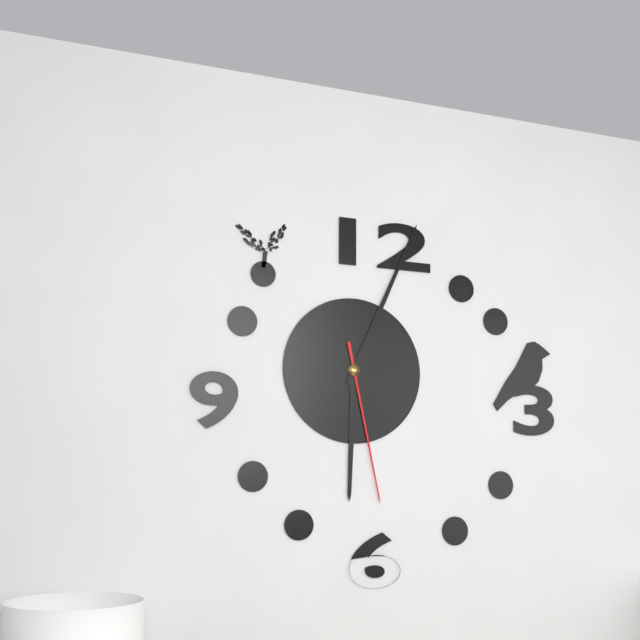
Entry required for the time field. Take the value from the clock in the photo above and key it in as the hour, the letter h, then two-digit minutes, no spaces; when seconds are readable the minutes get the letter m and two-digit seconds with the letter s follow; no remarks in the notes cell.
6h04m28s
